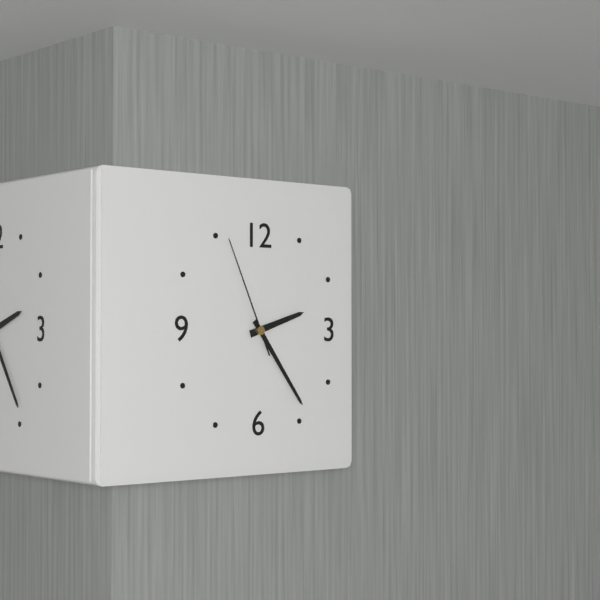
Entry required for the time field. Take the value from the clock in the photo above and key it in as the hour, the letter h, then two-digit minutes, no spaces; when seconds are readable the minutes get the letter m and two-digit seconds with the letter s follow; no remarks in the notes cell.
2h24m56s
